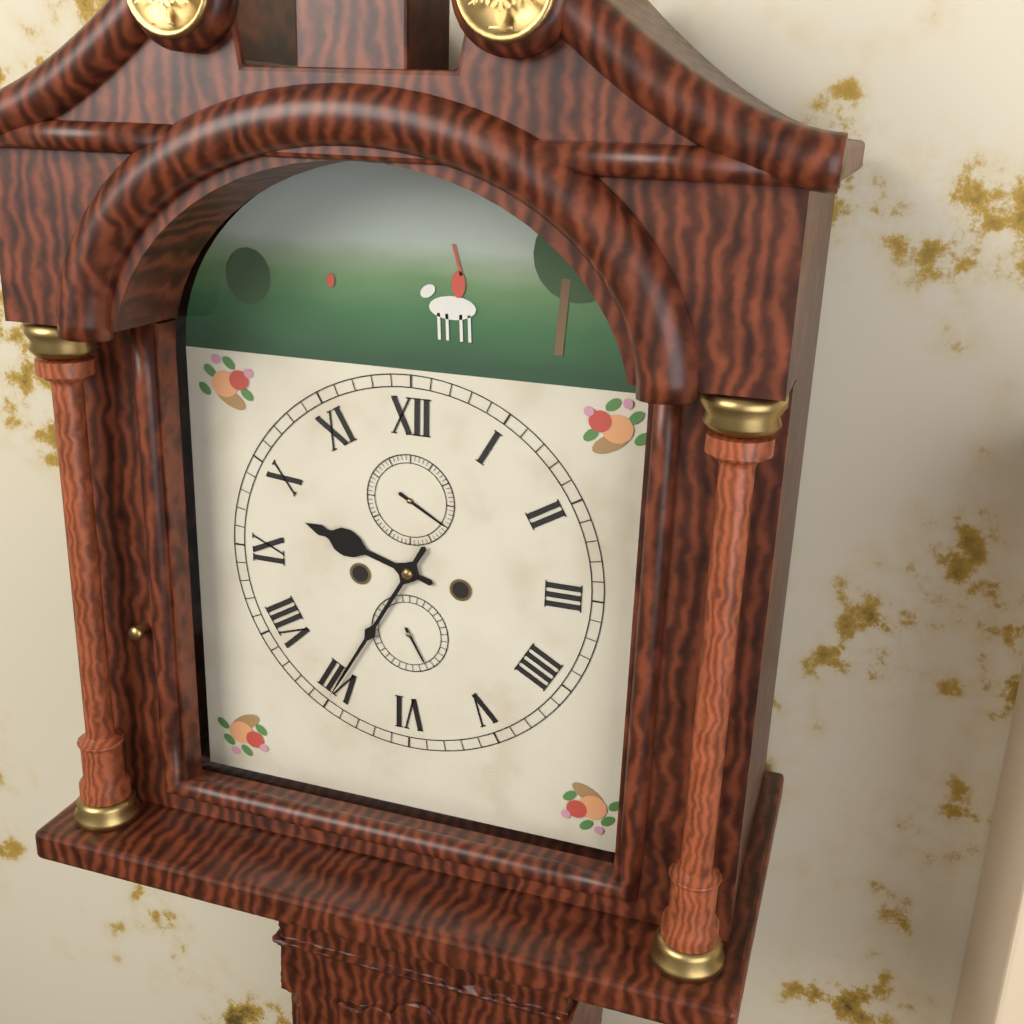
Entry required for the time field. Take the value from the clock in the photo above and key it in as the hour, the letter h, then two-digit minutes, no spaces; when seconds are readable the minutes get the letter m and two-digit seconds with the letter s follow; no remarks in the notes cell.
9h35m20s
